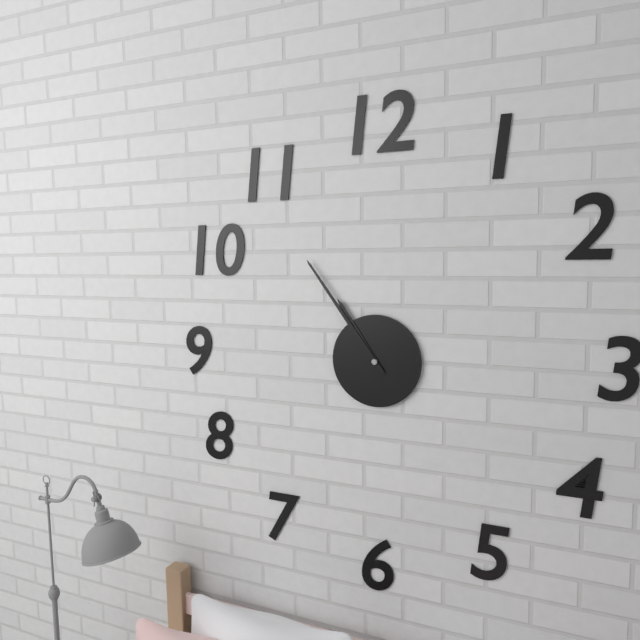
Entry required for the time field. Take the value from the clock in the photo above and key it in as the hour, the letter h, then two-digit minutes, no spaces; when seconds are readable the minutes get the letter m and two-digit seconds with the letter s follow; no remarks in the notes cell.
10h54
